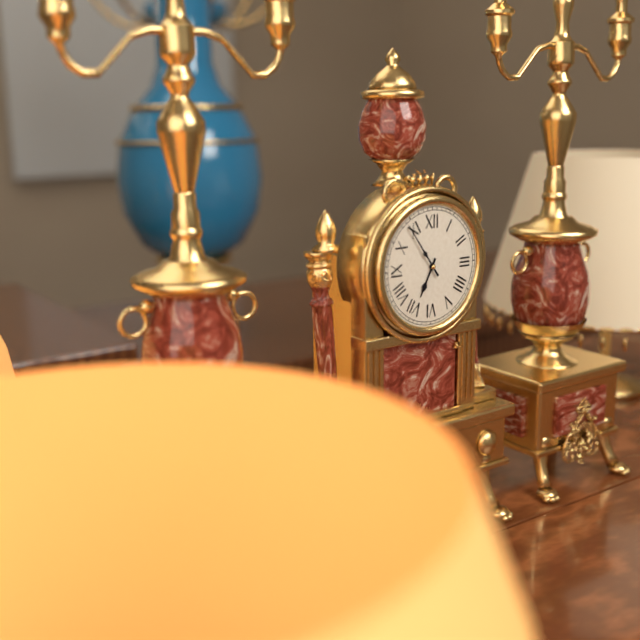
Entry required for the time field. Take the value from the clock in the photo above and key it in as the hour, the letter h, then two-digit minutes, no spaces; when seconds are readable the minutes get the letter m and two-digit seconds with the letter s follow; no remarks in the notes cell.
6h54
